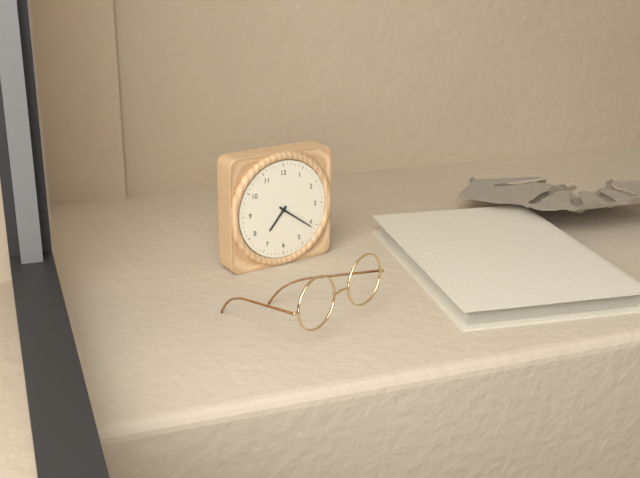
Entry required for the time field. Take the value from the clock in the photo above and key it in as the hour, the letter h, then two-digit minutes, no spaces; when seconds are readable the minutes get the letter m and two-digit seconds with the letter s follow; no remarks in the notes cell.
7h21
